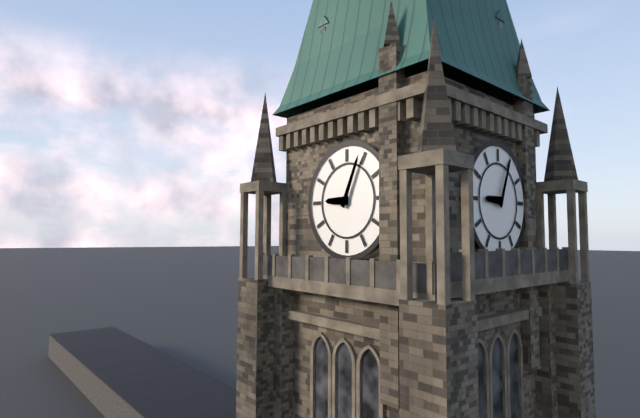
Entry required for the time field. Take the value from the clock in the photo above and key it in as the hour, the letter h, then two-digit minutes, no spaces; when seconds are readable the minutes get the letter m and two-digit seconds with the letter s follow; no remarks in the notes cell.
9h04
